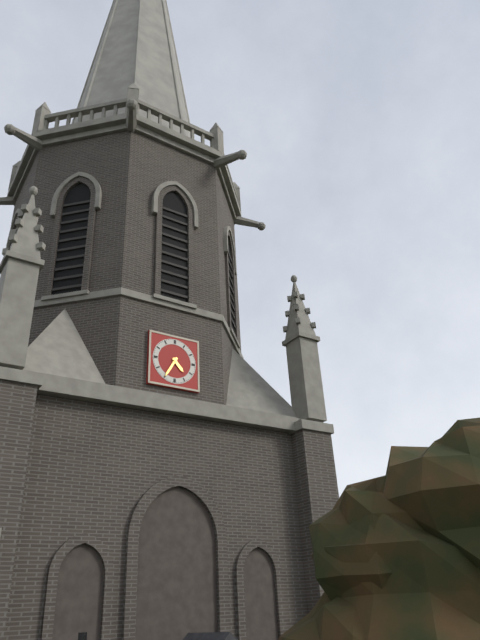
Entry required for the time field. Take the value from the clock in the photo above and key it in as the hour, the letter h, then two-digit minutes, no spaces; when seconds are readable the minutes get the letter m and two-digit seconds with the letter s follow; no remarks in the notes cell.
4h35
